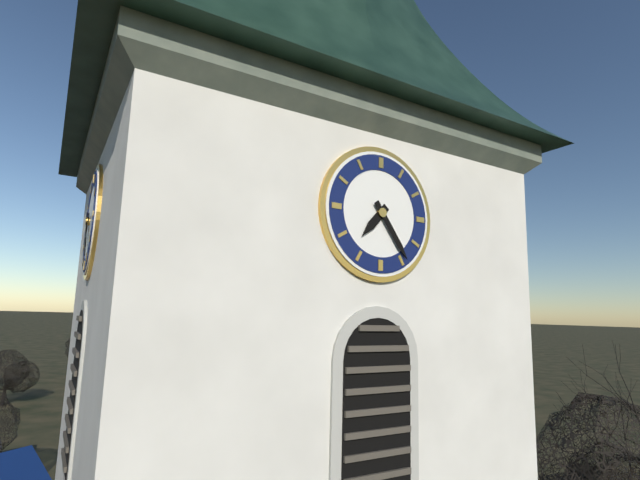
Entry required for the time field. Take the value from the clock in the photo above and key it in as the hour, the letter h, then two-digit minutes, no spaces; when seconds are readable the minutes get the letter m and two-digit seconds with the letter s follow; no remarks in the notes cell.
7h24
